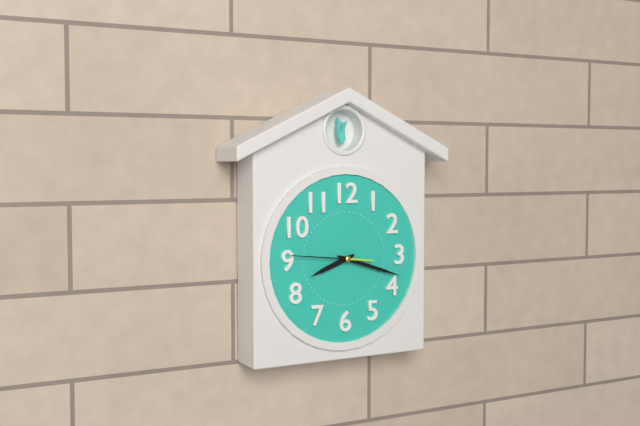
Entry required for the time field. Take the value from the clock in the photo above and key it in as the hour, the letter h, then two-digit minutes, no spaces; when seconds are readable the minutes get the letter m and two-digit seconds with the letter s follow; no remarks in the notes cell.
8h18
